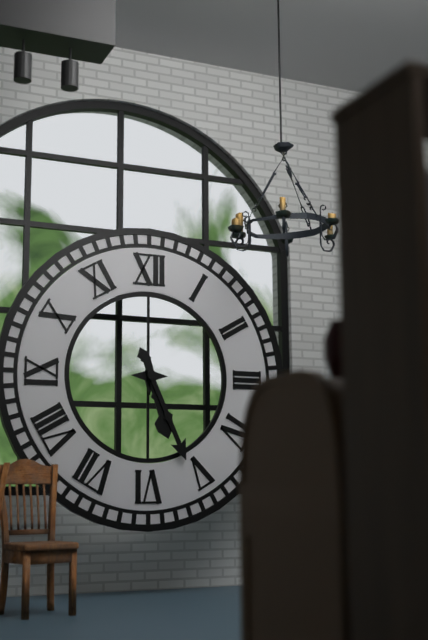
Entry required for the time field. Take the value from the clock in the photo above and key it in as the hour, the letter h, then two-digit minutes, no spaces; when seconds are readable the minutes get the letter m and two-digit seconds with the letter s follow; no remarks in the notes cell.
5h26
